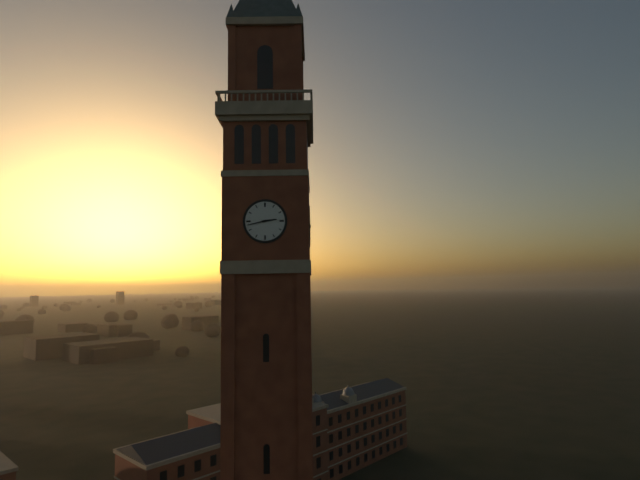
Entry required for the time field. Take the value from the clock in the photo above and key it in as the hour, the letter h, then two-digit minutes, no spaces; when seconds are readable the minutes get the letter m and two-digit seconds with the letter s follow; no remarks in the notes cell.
2h43
